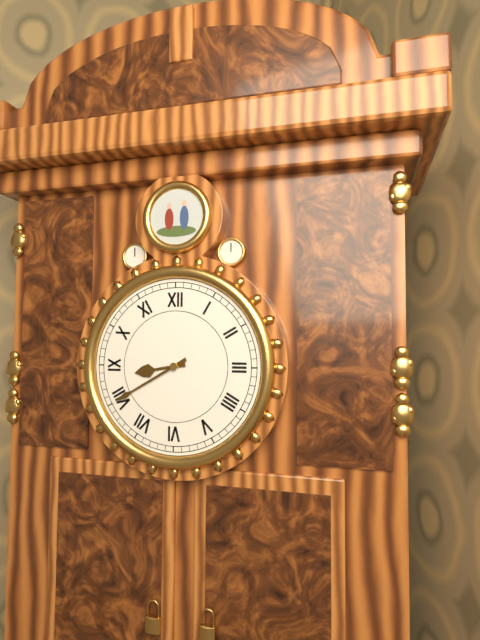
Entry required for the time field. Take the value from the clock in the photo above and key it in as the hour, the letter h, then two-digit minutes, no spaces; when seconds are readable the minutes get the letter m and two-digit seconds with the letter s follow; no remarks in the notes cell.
8h40
